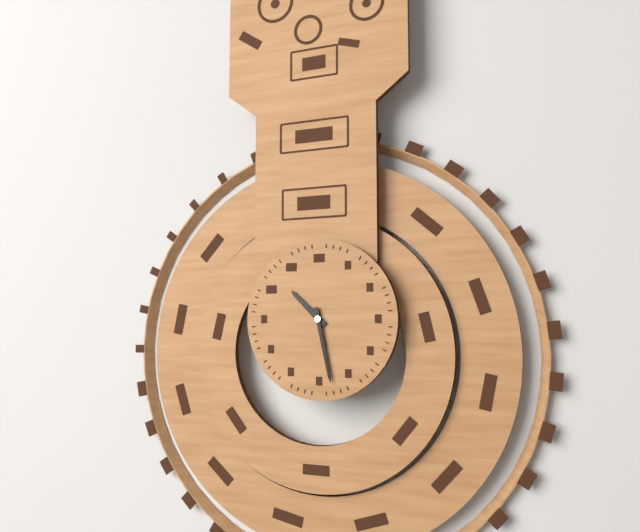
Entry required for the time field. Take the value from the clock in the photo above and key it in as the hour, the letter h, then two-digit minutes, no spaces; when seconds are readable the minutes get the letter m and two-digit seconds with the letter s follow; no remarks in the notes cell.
10h28
